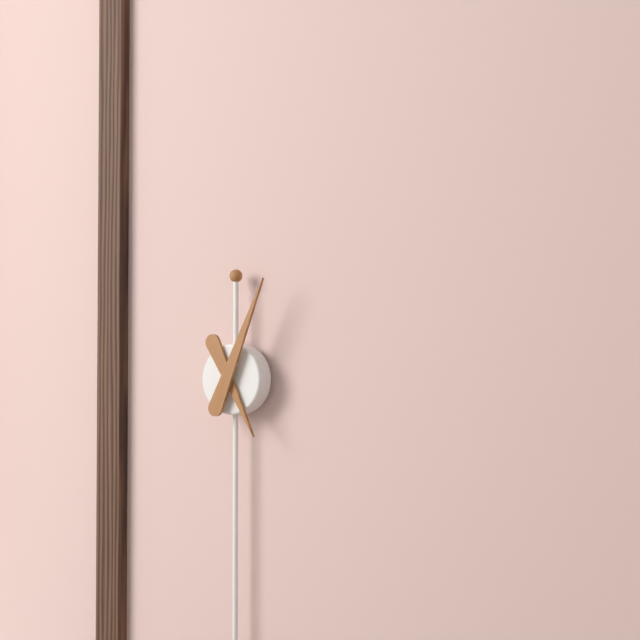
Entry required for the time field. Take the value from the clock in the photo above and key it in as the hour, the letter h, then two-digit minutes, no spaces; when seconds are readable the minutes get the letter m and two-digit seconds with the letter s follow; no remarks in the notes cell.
5h04
